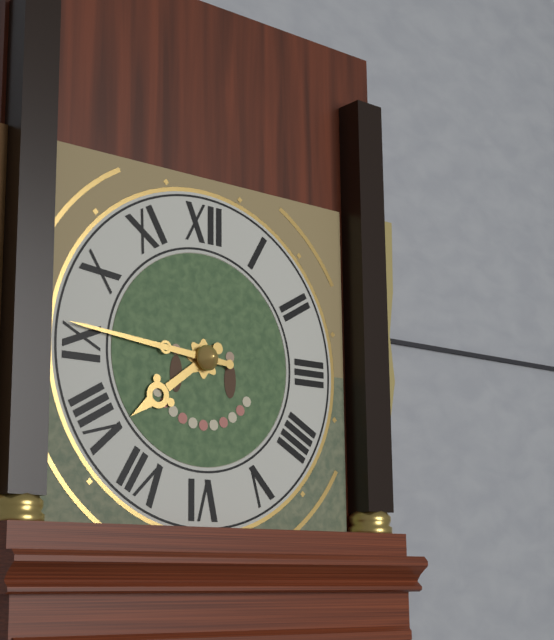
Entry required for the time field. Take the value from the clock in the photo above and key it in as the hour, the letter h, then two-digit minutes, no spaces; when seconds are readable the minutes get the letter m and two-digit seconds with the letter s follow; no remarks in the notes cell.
7h46
